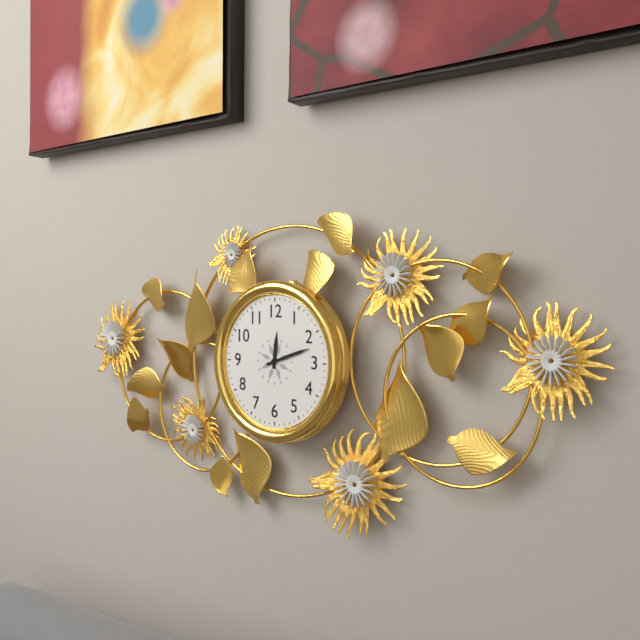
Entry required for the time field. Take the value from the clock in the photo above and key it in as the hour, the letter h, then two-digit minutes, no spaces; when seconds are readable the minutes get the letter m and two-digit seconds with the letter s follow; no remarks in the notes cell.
12h12
